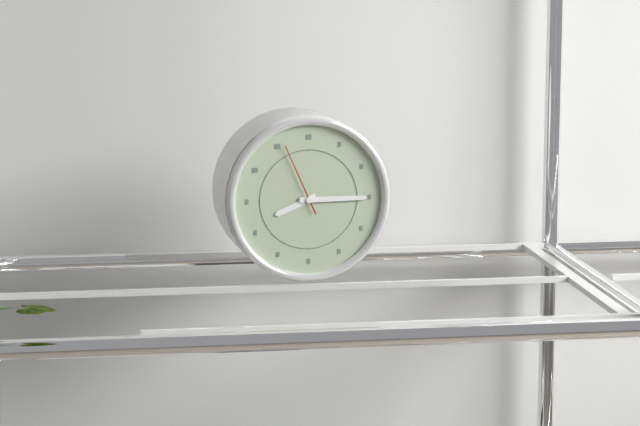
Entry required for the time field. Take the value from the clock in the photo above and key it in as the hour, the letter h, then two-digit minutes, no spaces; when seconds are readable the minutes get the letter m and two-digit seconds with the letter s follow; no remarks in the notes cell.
8h15m56s
